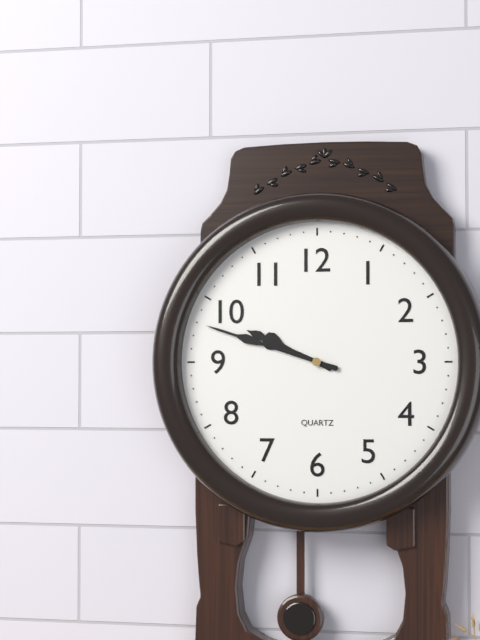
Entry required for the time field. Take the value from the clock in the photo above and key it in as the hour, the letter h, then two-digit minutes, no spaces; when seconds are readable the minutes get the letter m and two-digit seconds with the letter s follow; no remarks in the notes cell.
9h48
